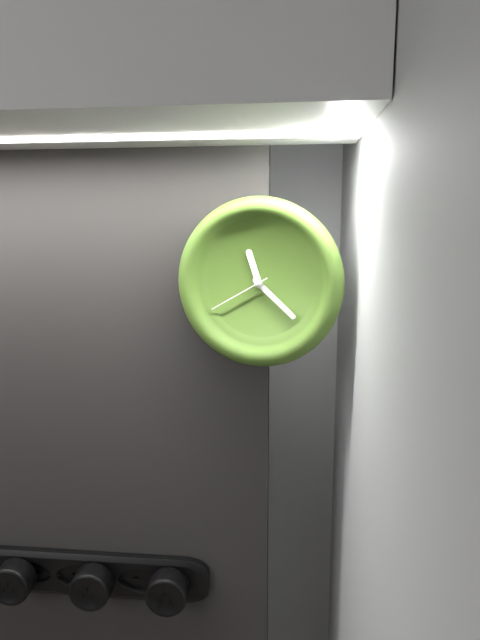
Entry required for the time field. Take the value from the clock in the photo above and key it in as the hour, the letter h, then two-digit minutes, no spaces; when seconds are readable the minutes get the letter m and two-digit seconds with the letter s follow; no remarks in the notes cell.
11h22m40s
